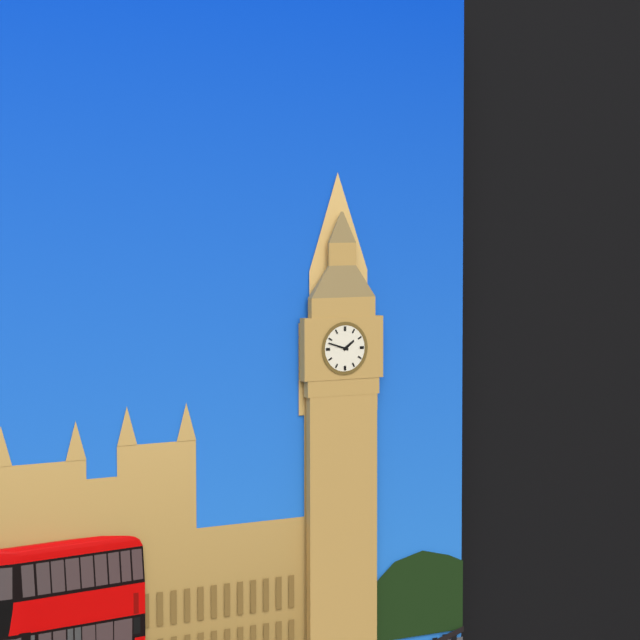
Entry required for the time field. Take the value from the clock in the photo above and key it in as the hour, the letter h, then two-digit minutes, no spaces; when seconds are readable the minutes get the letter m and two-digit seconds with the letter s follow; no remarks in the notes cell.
1h48
